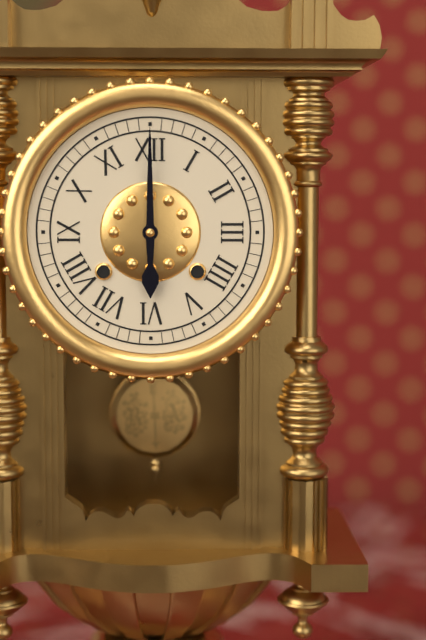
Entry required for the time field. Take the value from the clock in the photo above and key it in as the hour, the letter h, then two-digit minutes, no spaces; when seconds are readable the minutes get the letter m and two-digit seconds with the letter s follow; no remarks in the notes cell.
6h00
